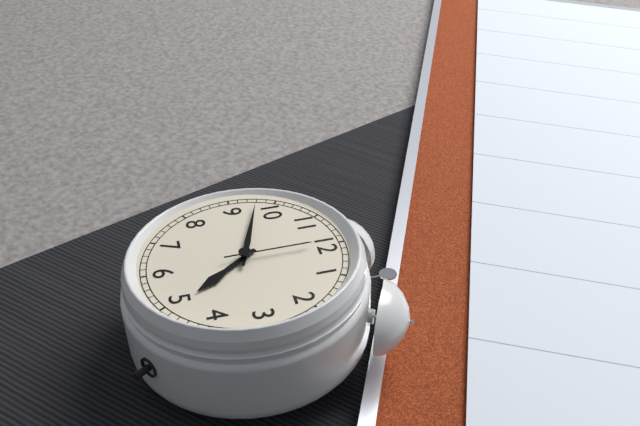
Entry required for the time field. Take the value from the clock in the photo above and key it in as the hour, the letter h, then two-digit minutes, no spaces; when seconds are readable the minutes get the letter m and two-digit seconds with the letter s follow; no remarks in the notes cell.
4h48m00s
